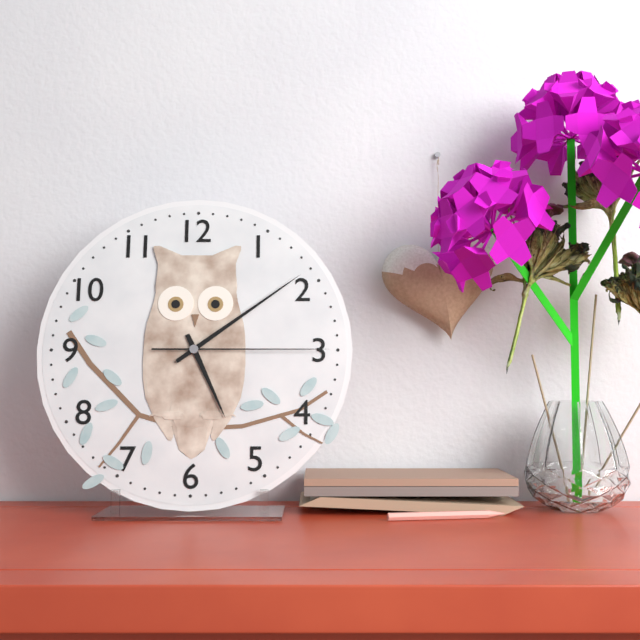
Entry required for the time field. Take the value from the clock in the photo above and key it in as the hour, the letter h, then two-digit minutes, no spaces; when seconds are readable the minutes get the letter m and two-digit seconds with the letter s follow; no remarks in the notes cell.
5h09m15s
